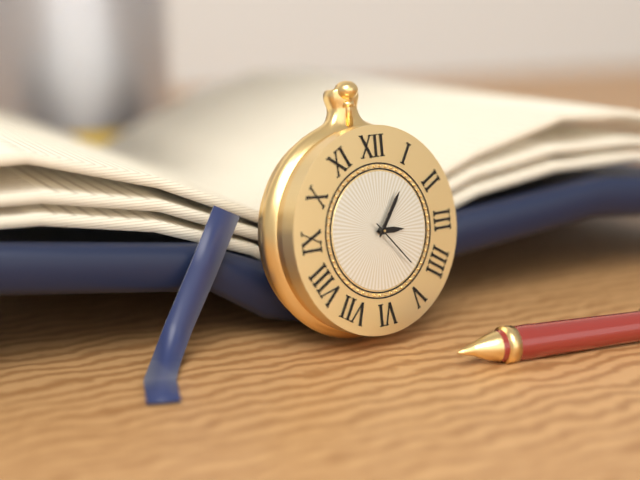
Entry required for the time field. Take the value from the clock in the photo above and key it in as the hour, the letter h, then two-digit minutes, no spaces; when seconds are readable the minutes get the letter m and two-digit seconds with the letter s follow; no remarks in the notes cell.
3h06m23s
